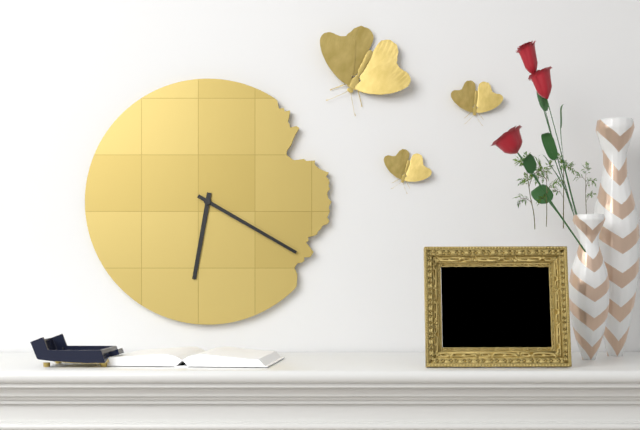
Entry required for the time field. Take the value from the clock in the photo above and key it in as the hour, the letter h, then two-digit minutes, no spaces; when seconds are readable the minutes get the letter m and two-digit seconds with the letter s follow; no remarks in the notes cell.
6h20
